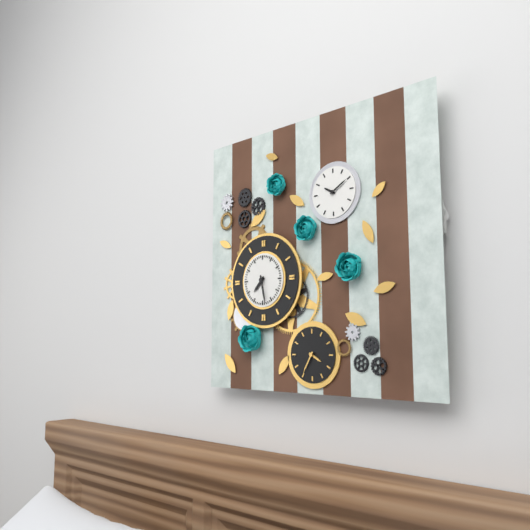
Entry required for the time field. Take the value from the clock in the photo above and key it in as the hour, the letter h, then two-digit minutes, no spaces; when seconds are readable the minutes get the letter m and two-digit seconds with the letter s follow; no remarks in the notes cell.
7h28
